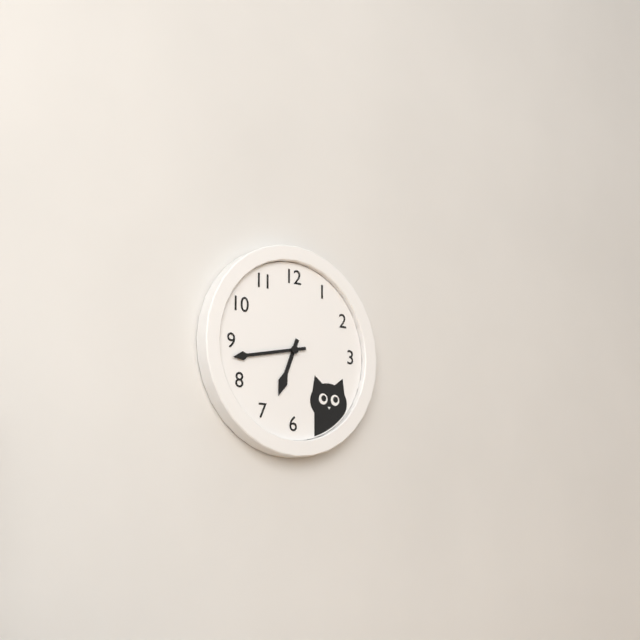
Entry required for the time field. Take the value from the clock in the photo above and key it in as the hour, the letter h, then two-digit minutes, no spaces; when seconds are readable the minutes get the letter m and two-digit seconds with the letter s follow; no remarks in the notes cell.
6h43
